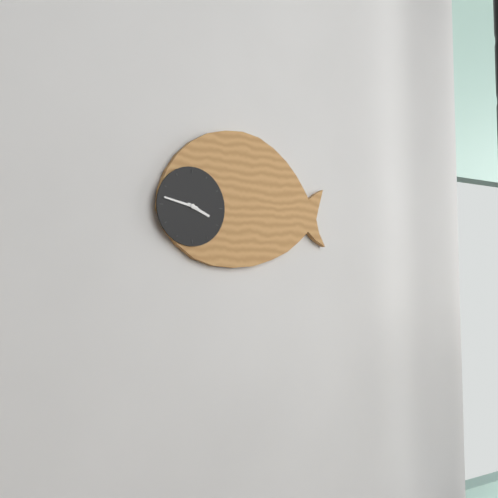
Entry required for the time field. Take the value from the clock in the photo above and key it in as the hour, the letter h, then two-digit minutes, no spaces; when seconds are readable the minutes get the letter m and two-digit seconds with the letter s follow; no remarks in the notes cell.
3h47
